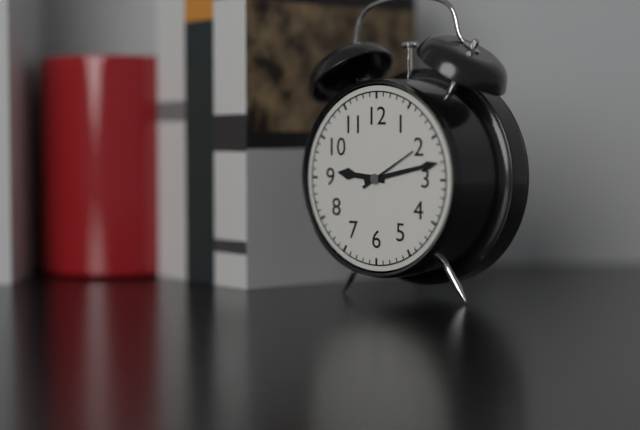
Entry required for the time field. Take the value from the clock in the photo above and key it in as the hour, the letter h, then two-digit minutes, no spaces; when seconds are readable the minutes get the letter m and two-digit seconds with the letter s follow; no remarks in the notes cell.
9h13m10s
